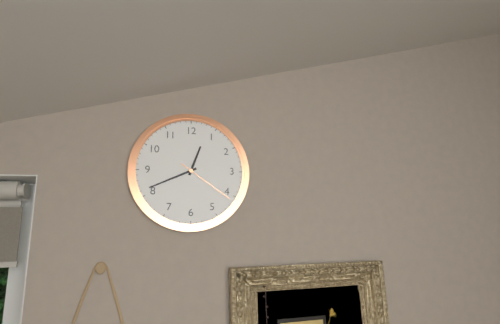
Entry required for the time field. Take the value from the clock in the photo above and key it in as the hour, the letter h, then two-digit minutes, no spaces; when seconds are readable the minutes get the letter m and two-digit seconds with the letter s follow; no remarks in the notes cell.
12h41m21s
